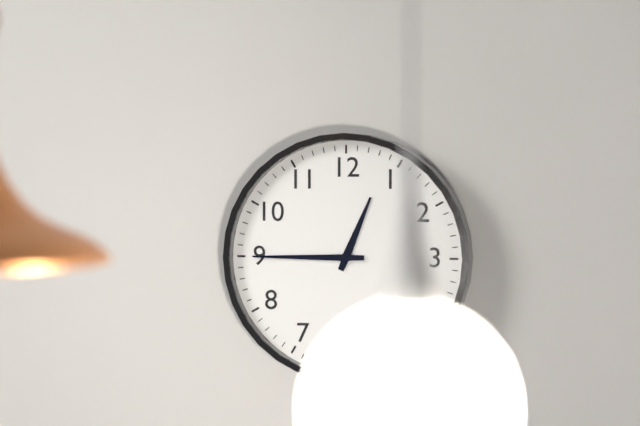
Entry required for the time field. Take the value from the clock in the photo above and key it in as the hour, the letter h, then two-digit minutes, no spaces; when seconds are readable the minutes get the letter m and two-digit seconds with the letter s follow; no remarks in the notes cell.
12h45
